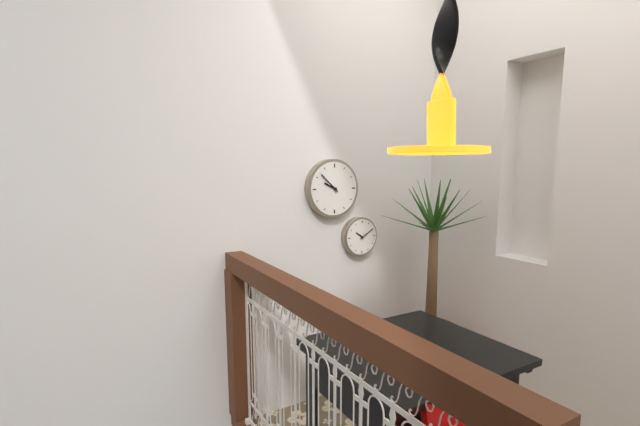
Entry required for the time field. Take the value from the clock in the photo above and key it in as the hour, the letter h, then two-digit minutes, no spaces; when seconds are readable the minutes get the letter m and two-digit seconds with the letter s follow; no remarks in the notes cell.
9h52
